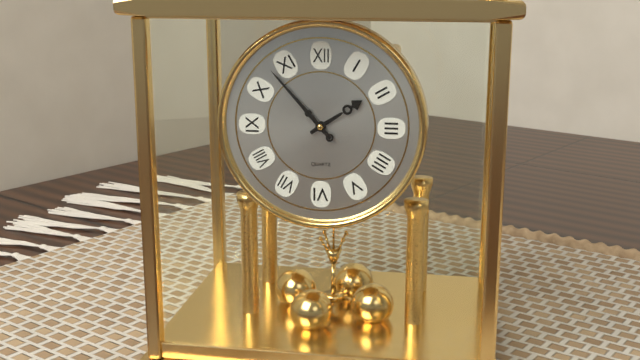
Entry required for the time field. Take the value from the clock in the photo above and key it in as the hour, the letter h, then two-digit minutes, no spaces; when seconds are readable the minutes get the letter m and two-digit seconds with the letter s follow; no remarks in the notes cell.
1h53
